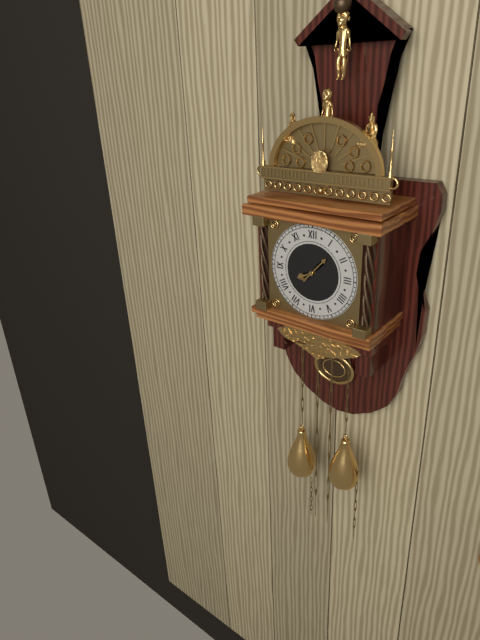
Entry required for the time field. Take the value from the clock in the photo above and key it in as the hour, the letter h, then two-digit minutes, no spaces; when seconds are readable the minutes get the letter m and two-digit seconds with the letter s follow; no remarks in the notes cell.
8h07
